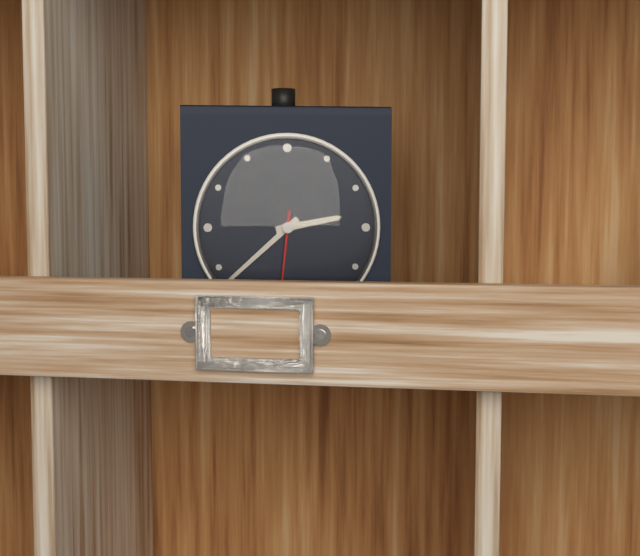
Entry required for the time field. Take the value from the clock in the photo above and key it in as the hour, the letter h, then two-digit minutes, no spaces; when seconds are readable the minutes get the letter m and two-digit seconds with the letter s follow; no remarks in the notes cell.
2h38m31s
